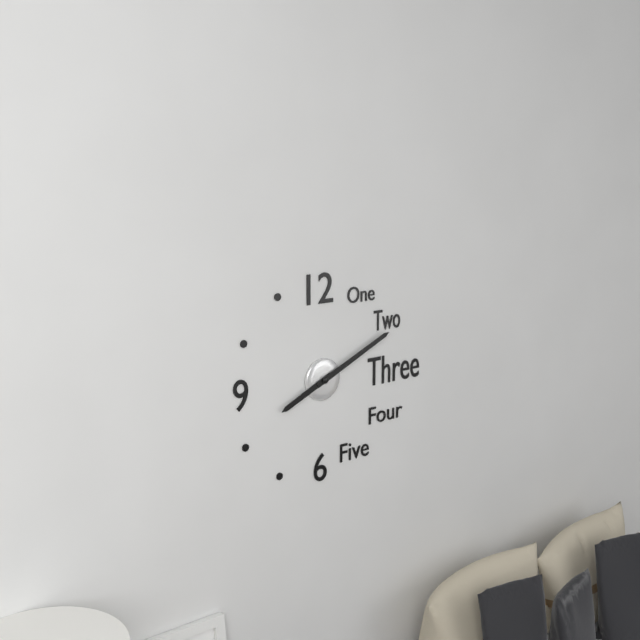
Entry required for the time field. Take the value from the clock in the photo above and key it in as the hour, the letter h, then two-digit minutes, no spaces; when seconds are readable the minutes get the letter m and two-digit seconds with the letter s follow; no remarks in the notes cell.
8h11
